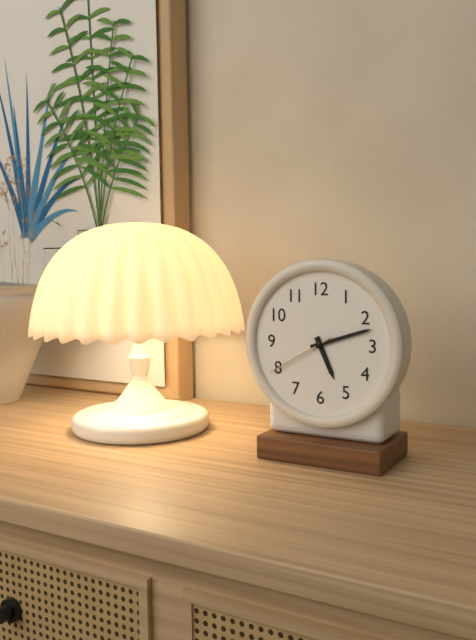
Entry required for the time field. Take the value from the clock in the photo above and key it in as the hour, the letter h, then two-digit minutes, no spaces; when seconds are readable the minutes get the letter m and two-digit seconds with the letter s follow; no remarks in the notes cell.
5h12m40s
